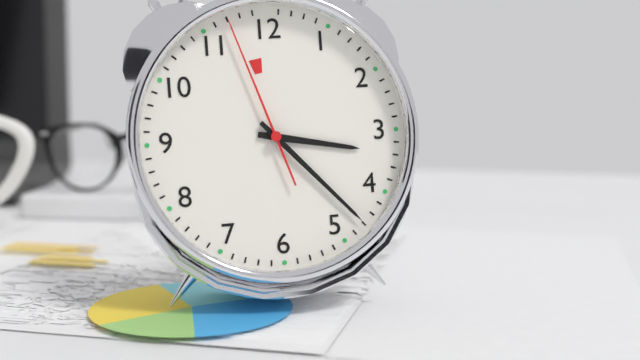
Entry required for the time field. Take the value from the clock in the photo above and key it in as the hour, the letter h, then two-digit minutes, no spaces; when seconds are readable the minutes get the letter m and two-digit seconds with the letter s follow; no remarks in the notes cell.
3h23m57s
